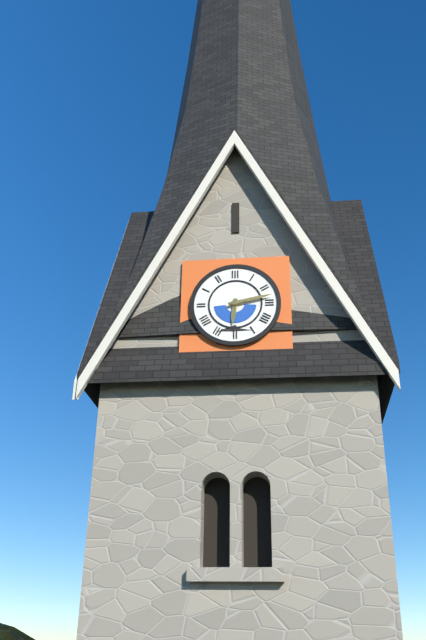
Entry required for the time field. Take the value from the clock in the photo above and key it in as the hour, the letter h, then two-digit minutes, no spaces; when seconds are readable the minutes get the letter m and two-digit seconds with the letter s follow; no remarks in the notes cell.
6h13
